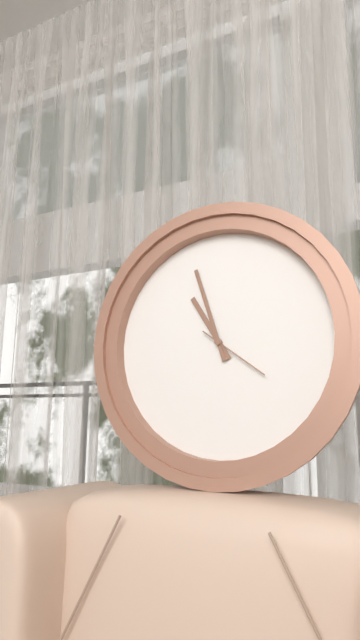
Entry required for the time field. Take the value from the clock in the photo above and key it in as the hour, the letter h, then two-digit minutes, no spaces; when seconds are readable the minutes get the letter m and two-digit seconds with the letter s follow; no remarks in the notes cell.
10h57m21s
